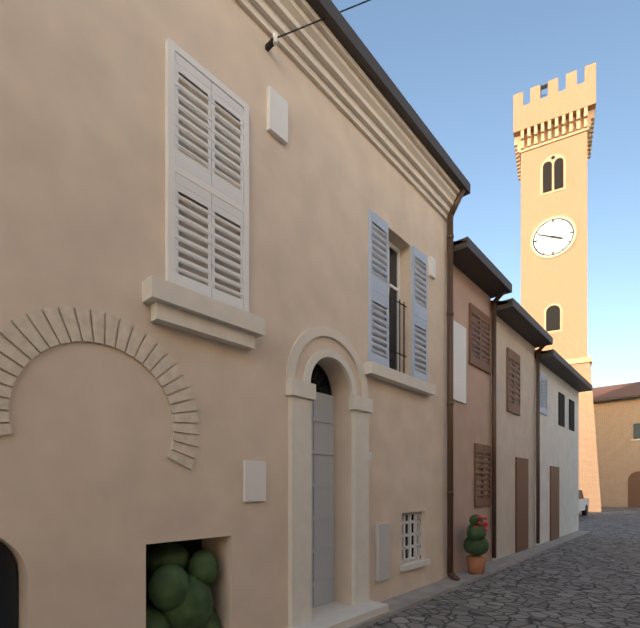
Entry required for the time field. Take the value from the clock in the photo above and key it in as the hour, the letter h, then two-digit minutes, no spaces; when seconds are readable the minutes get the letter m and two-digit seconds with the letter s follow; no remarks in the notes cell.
3h49
